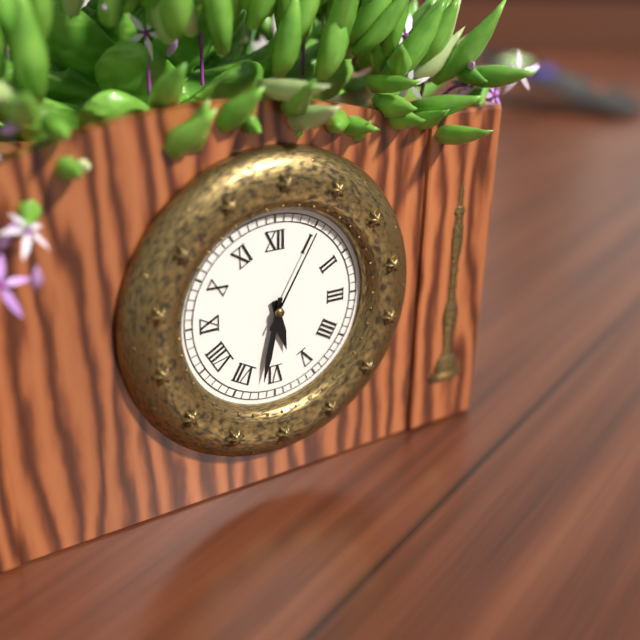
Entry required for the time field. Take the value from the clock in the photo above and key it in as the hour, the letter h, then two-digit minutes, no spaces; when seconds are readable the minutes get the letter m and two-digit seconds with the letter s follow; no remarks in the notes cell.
5h32m05s
